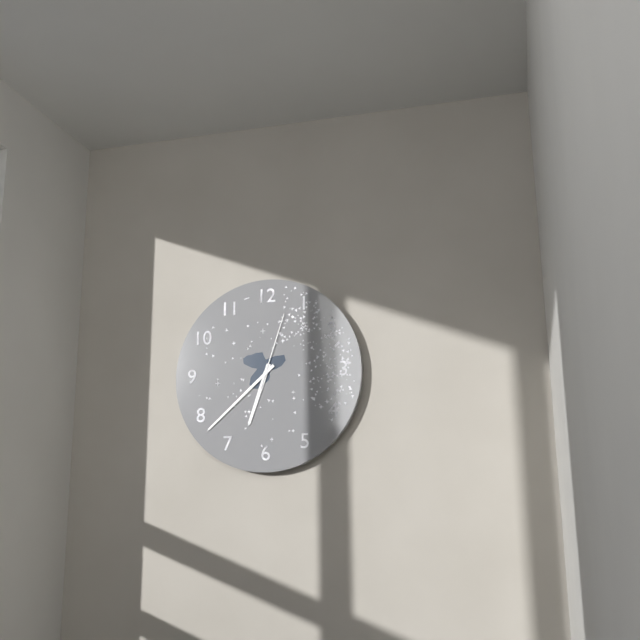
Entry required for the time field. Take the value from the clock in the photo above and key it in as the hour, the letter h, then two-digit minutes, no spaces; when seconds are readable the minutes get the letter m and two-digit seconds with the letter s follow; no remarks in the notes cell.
6h38m03s
